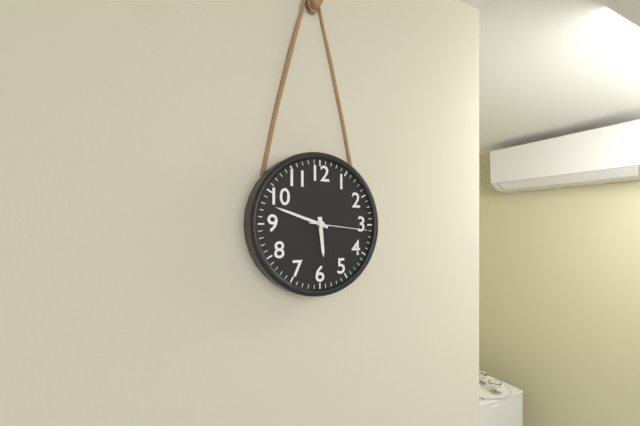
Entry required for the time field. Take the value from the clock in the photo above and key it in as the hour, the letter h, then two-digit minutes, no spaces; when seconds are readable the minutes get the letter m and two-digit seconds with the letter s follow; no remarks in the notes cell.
5h48m16s
